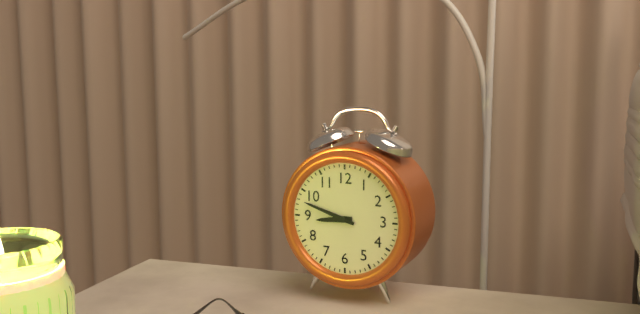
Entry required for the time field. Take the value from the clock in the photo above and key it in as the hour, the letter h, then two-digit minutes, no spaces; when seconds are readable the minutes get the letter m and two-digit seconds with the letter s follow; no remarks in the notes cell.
8h48
